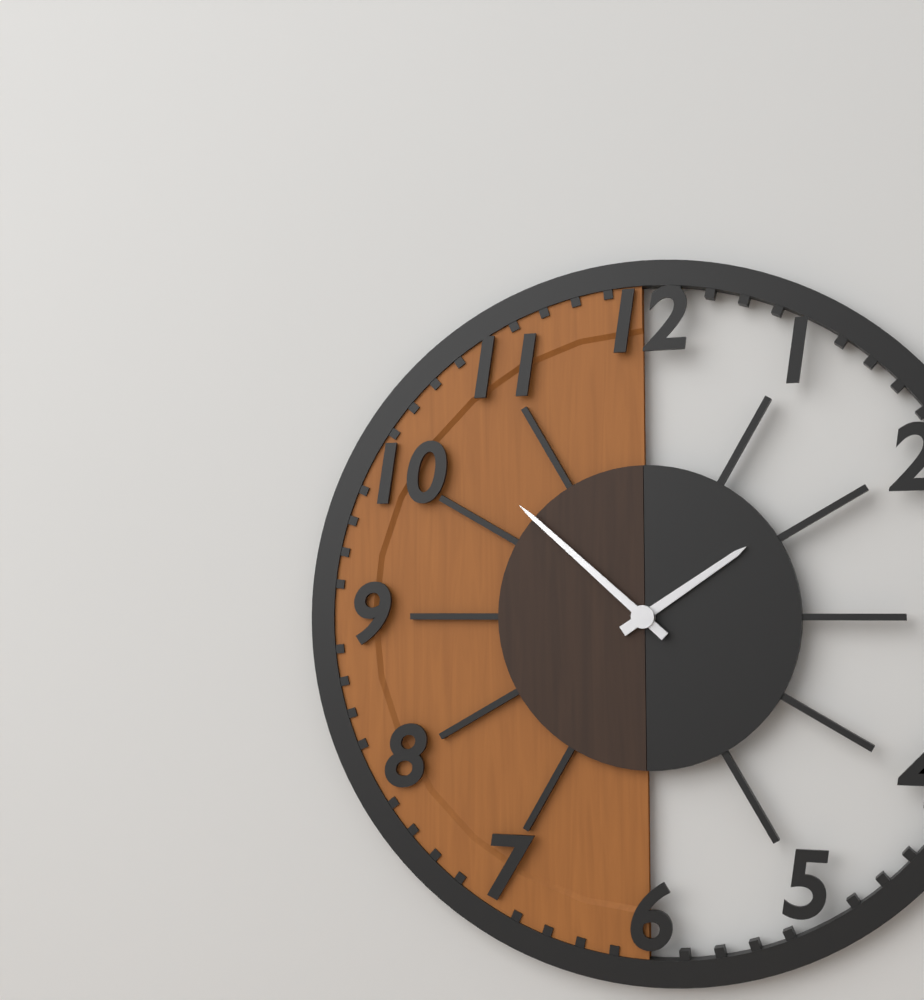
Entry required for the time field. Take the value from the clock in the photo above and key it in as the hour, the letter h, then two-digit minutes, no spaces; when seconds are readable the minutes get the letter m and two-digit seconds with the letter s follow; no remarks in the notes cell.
1h52
